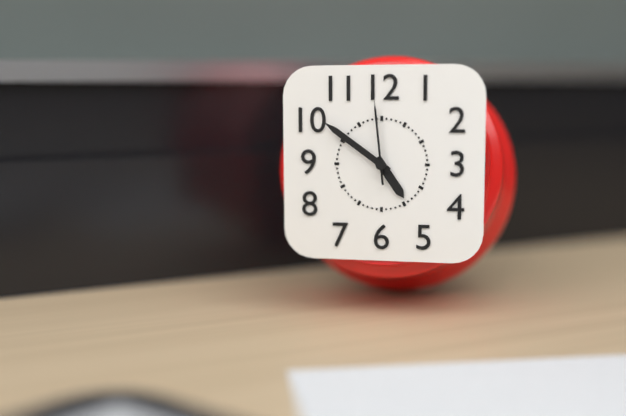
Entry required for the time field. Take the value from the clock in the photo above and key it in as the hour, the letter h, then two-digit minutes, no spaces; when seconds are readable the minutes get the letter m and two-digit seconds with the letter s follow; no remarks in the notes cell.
4h51m59s
